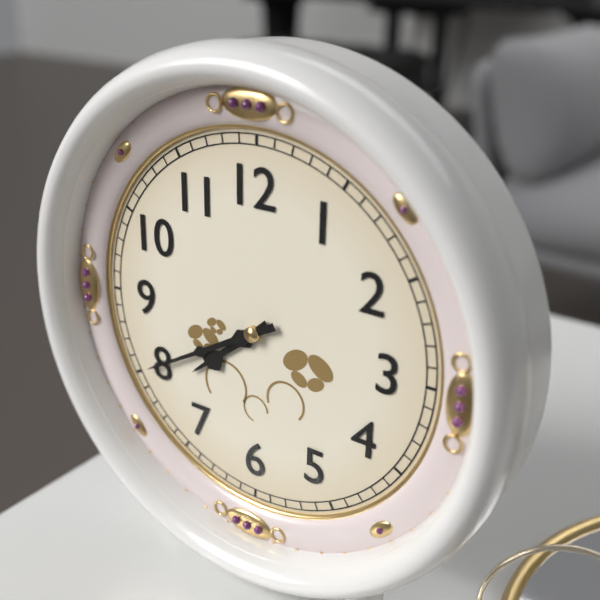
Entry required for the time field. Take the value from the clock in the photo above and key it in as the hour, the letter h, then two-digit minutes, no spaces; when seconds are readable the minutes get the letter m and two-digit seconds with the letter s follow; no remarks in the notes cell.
7h40
